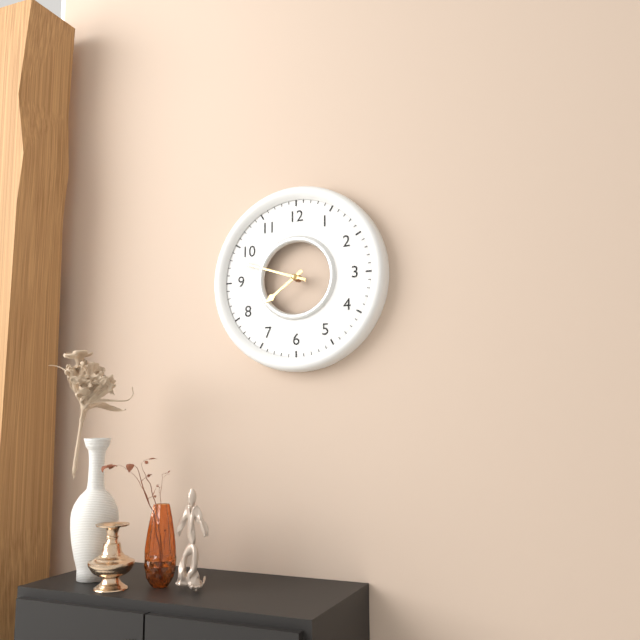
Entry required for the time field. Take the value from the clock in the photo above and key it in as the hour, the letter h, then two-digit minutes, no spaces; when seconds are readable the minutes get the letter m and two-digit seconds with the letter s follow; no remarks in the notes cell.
7h48
